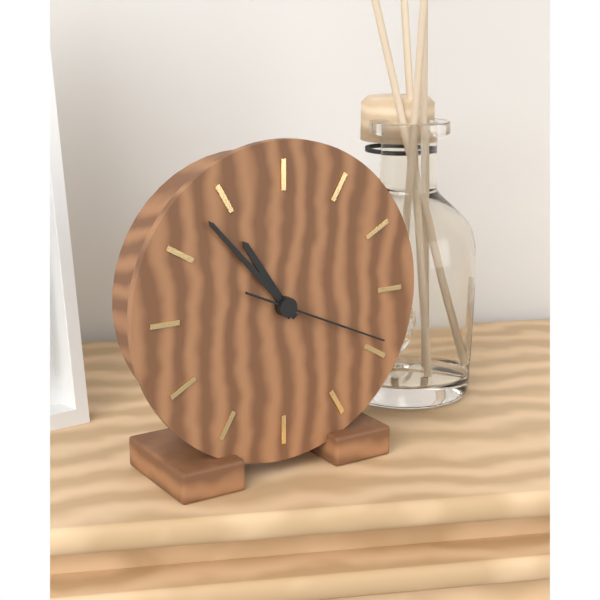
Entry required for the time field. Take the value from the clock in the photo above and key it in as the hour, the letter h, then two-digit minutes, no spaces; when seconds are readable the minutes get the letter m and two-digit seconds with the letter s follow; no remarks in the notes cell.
10h53m19s
